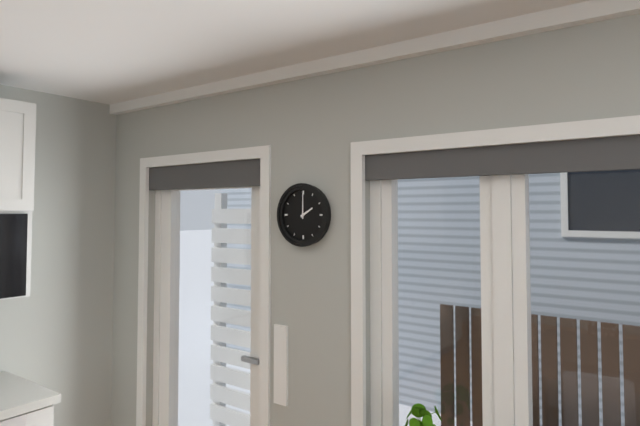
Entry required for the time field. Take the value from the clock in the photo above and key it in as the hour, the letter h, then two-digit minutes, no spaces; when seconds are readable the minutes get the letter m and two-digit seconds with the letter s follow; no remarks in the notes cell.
2h00
